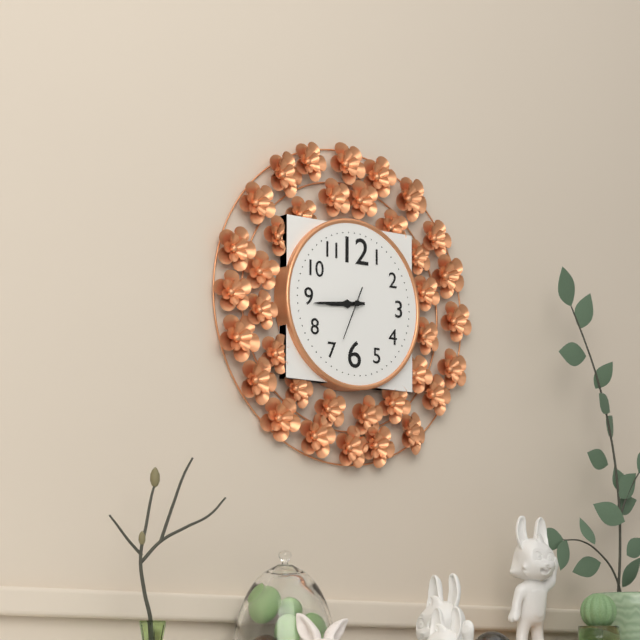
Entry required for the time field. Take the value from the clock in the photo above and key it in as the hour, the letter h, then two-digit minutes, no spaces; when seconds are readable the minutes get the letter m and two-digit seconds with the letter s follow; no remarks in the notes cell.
8h44
